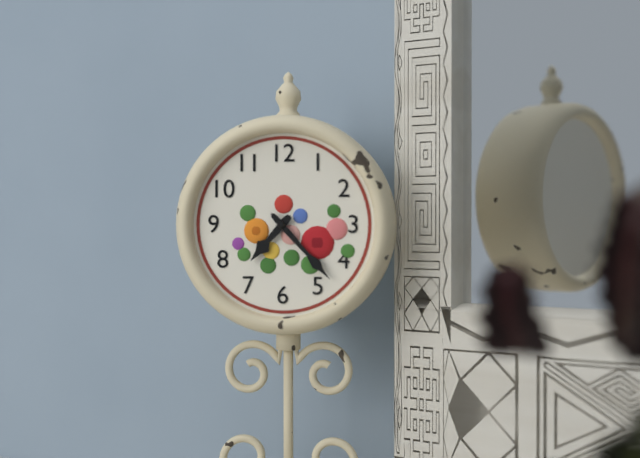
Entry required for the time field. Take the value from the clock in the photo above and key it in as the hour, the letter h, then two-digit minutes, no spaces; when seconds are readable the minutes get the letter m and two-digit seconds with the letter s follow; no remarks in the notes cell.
7h23
